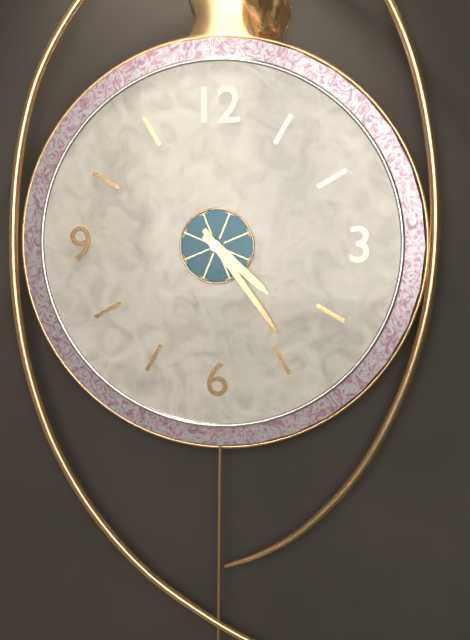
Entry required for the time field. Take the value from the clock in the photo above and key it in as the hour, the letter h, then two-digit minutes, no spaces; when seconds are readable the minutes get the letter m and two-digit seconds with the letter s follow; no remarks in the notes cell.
4h24
